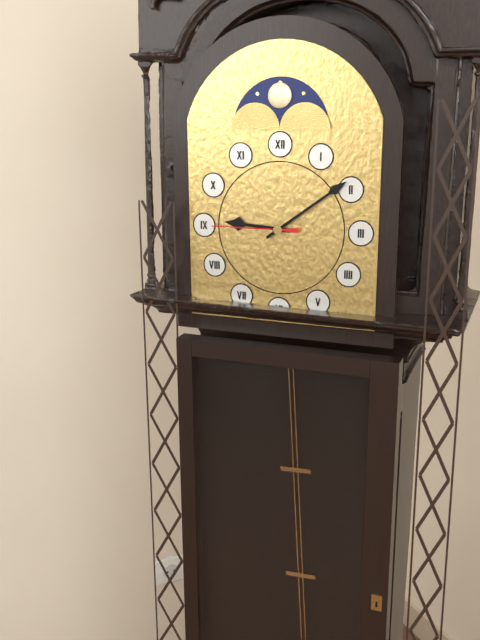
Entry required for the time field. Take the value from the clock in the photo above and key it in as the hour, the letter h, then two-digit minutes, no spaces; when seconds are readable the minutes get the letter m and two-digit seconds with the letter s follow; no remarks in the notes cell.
9h09m45s
